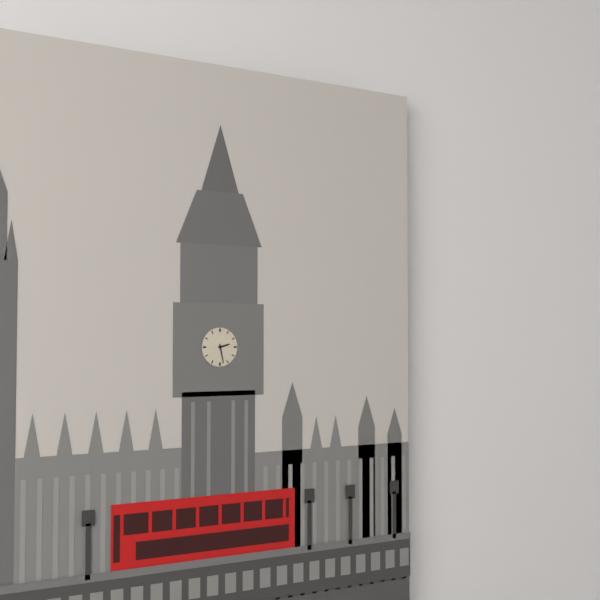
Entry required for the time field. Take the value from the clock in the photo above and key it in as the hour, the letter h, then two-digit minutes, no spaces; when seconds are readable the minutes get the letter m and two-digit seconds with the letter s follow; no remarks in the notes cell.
2h28
